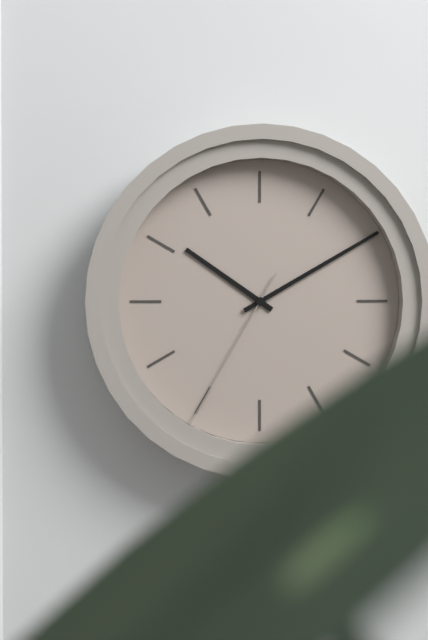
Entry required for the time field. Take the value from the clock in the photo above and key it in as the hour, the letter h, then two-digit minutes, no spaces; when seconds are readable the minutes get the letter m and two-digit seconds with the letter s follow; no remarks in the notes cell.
10h10m35s
